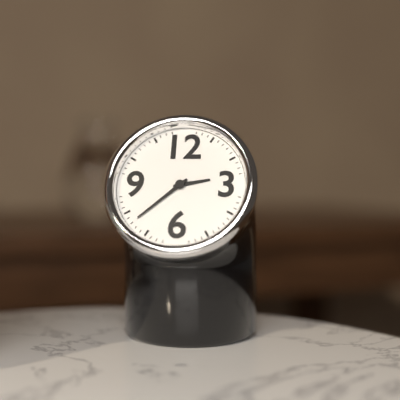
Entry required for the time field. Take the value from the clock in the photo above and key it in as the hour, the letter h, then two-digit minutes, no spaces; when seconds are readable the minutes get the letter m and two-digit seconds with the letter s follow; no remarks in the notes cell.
2h38
